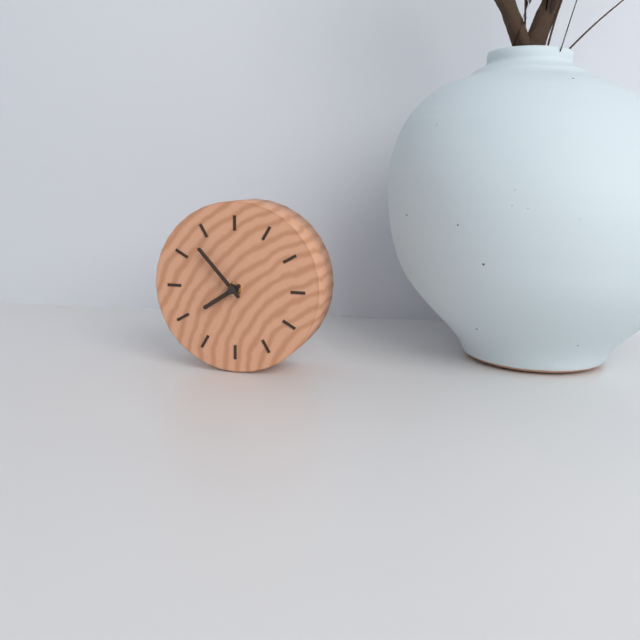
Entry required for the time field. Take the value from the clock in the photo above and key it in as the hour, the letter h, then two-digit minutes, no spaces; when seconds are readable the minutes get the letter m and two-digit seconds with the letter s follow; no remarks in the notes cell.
7h53
